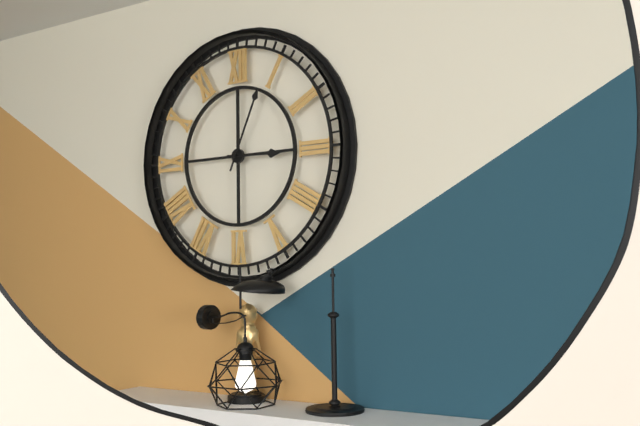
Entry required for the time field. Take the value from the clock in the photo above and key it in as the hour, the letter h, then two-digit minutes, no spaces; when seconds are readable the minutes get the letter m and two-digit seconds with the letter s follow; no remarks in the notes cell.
3h04
